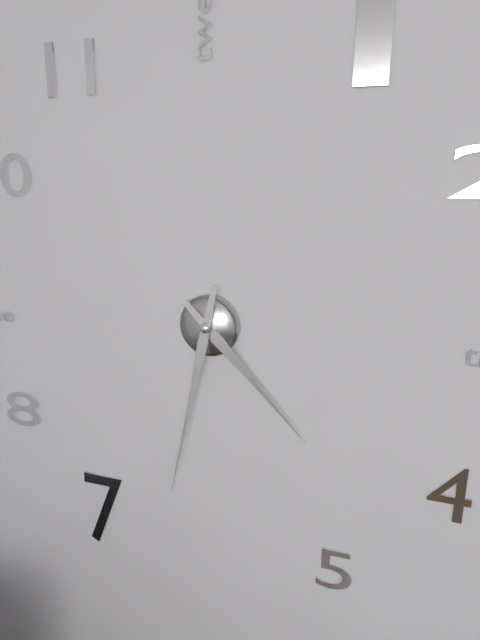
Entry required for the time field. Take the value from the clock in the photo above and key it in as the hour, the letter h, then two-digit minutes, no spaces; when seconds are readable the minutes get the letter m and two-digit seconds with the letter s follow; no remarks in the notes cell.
4h32
